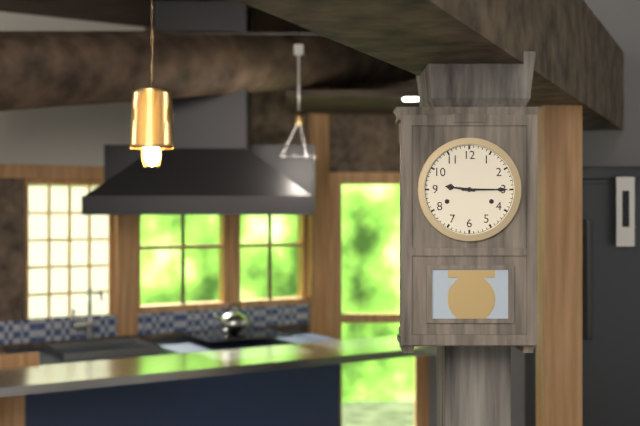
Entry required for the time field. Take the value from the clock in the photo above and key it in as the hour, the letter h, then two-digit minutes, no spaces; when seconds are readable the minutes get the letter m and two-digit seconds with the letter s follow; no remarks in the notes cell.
9h15
